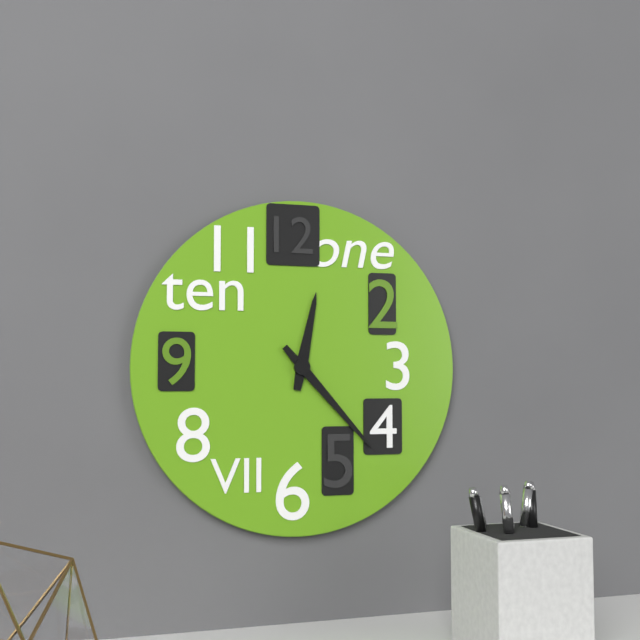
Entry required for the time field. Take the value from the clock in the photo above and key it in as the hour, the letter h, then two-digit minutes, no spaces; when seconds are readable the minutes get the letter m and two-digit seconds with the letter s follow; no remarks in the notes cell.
12h23
